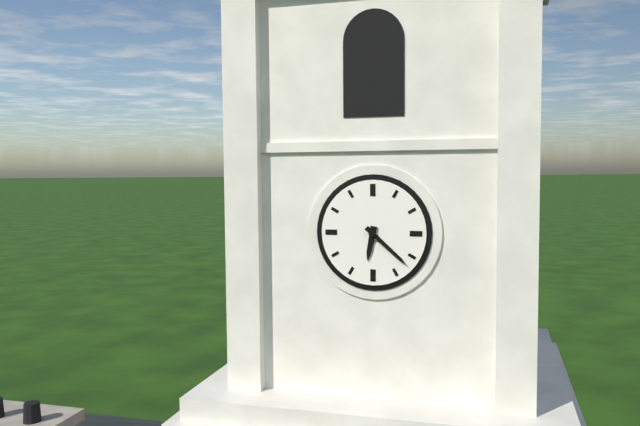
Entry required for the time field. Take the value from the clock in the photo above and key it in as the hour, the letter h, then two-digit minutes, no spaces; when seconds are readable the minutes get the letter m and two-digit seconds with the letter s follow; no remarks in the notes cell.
6h22
